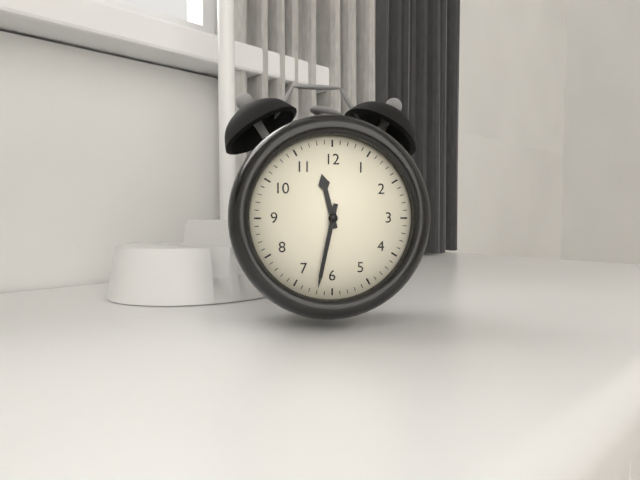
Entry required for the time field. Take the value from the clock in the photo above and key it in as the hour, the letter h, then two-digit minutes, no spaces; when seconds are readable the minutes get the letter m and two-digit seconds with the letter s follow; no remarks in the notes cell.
11h32
